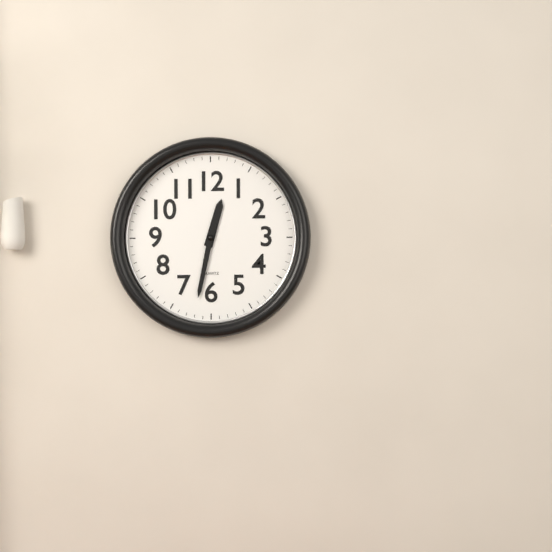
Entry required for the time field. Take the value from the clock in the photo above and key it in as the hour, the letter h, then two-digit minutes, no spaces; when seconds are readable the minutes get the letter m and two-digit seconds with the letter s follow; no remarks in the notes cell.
12h32
